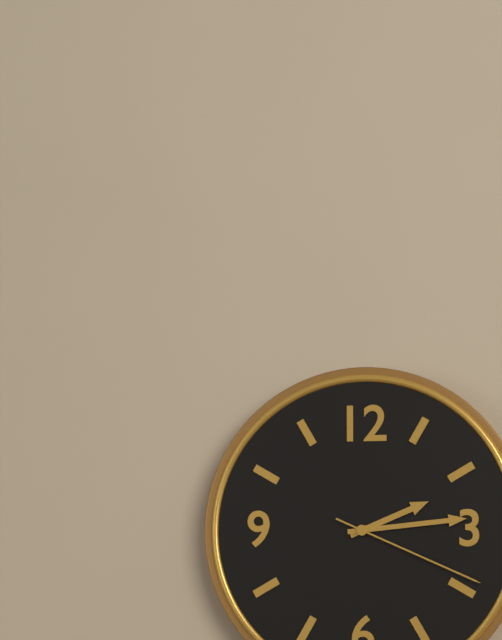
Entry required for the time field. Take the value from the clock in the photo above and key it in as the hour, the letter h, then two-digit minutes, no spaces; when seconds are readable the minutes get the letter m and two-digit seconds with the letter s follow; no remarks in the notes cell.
2h14m19s
